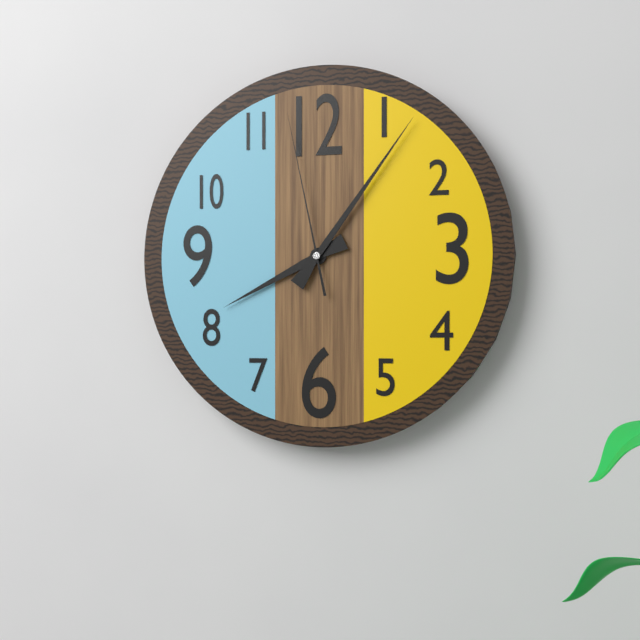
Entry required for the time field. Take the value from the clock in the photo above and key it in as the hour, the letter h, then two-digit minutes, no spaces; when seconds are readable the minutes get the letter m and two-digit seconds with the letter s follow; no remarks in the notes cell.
8h06m58s
